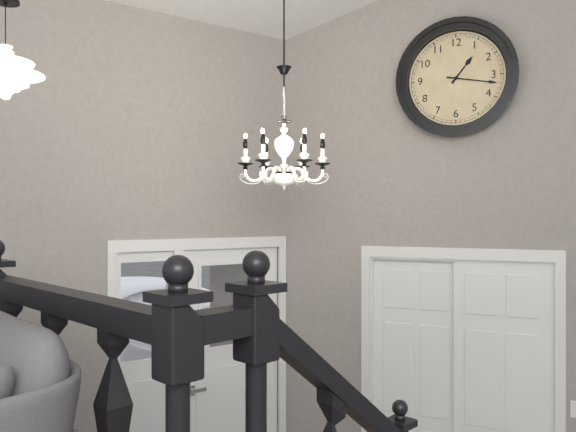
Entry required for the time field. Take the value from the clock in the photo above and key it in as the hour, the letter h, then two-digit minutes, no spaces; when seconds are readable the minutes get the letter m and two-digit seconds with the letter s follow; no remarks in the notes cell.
1h17
